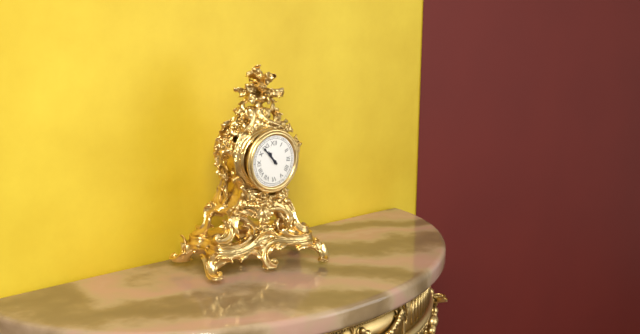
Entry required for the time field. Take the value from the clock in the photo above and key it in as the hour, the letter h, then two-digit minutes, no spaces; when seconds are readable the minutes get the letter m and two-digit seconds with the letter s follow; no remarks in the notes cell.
10h53
